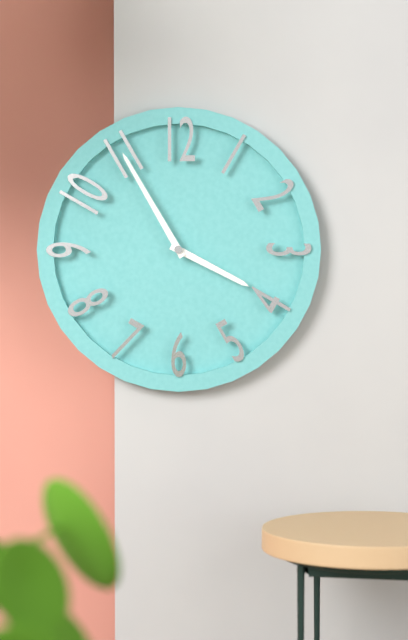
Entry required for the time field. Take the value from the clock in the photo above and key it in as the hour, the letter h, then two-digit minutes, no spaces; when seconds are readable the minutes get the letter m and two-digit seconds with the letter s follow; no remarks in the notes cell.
3h55
